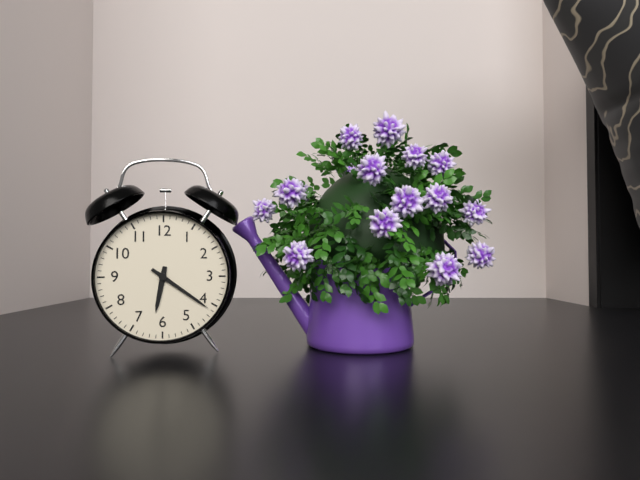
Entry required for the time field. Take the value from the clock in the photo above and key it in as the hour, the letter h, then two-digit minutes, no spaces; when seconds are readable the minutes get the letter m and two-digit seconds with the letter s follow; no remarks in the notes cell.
6h21
